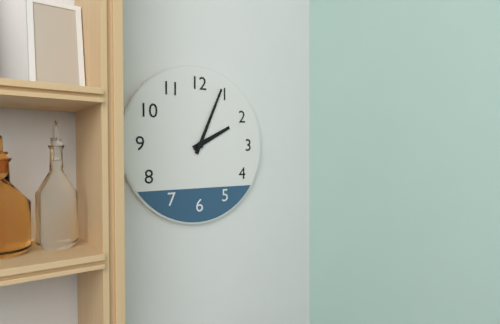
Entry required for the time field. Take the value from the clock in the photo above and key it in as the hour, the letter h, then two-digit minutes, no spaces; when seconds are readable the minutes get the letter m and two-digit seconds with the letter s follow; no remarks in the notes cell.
2h04
